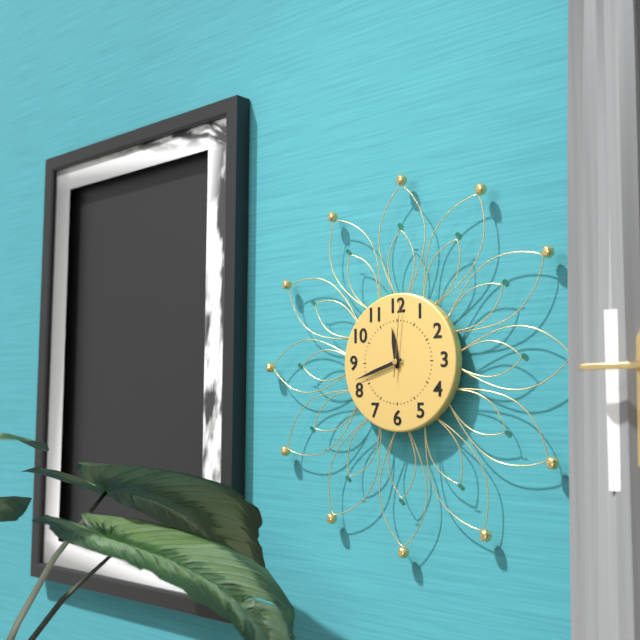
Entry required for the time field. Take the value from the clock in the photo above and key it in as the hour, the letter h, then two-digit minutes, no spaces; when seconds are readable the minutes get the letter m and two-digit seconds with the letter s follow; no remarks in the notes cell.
11h42m01s
